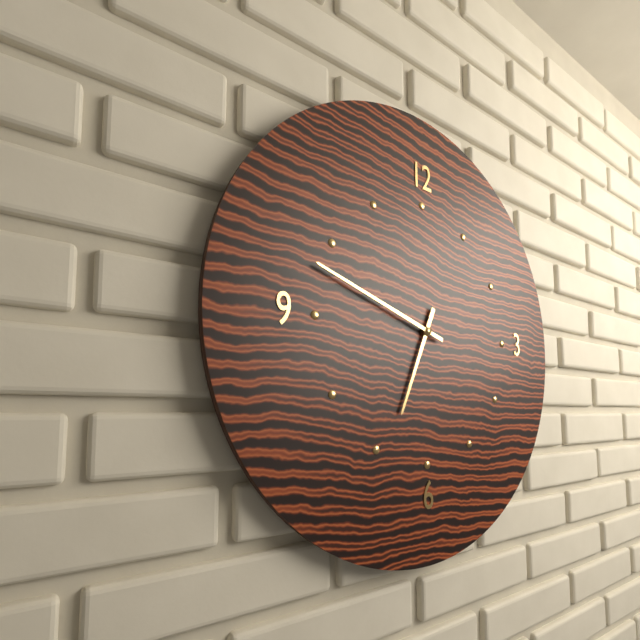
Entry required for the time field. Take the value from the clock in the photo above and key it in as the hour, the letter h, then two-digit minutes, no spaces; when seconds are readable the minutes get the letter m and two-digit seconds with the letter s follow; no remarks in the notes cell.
6h48
